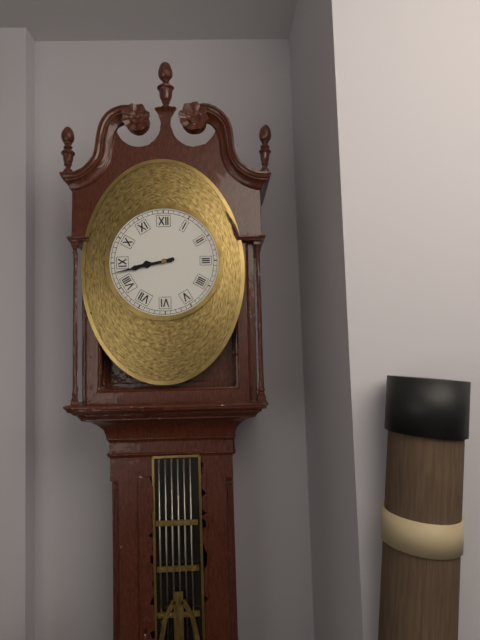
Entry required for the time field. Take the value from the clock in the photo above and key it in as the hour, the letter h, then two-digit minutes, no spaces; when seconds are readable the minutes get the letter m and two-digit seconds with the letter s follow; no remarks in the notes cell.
8h43
